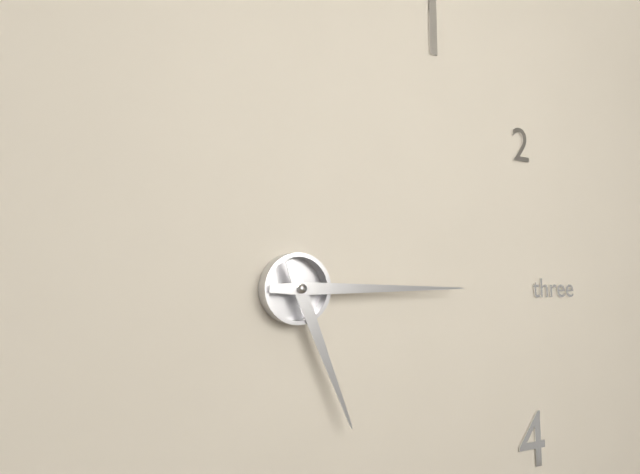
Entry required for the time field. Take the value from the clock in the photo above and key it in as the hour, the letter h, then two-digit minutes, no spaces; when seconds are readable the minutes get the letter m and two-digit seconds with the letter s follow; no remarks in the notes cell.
5h15
